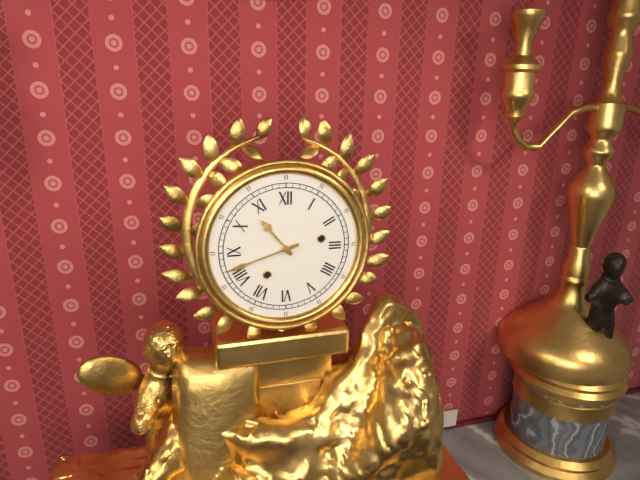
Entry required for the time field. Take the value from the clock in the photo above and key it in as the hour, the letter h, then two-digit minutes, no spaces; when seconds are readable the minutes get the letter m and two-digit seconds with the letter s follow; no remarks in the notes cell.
10h42
